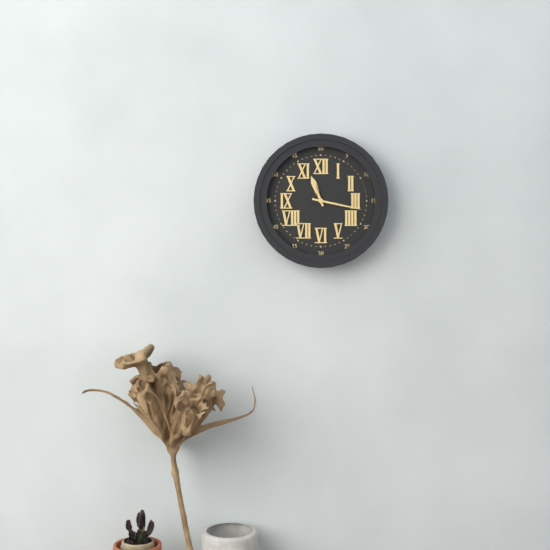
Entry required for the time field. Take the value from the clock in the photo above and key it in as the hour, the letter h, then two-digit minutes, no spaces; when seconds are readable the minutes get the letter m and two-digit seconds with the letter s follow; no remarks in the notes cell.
11h17
